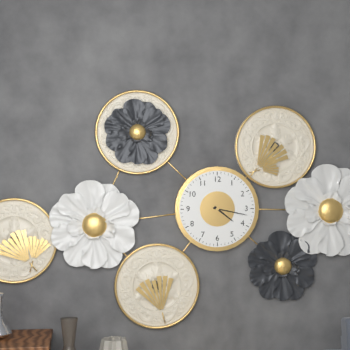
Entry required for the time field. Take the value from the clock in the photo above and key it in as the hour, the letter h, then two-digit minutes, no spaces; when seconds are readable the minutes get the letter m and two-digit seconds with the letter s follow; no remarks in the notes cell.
4h17
